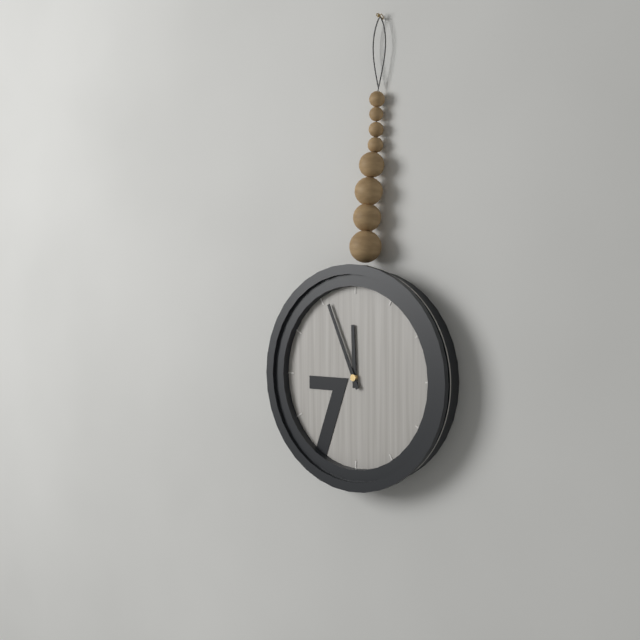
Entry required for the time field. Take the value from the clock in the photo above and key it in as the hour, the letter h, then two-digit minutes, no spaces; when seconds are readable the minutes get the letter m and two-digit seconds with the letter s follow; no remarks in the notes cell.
11h56
